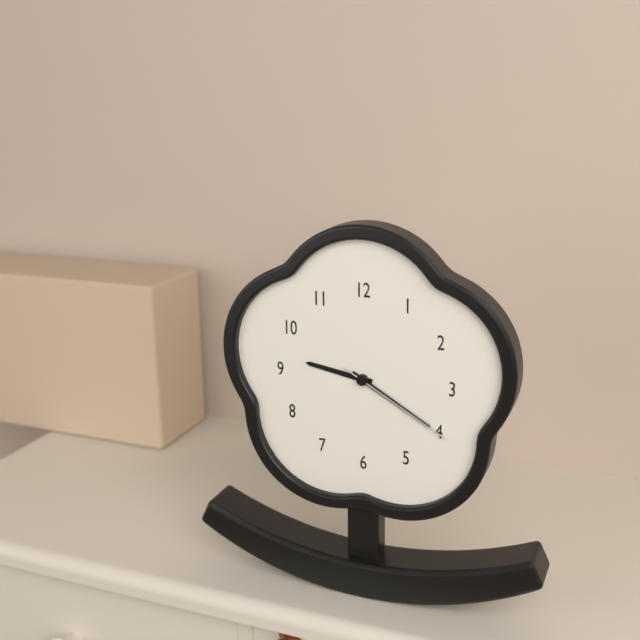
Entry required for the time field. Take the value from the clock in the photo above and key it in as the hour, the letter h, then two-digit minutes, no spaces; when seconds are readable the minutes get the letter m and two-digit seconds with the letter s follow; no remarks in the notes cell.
9h20m20s
